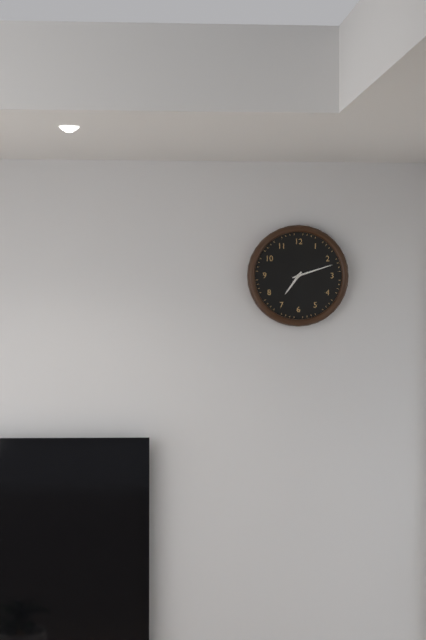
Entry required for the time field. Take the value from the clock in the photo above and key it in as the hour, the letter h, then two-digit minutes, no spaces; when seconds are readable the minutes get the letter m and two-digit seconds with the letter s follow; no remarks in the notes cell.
7h12
